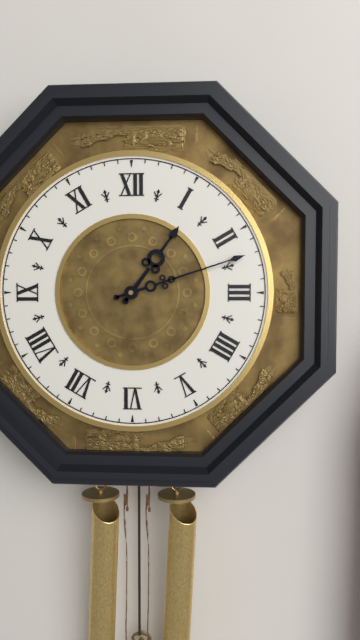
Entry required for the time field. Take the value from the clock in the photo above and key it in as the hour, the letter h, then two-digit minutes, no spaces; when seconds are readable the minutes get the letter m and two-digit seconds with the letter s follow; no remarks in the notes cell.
1h12
